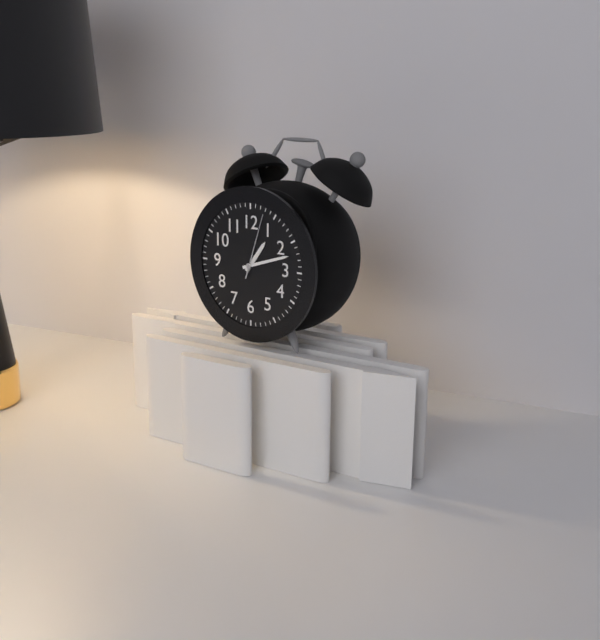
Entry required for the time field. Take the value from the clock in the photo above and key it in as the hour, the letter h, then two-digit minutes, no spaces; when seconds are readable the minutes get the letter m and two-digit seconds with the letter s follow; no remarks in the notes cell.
1h12m03s
